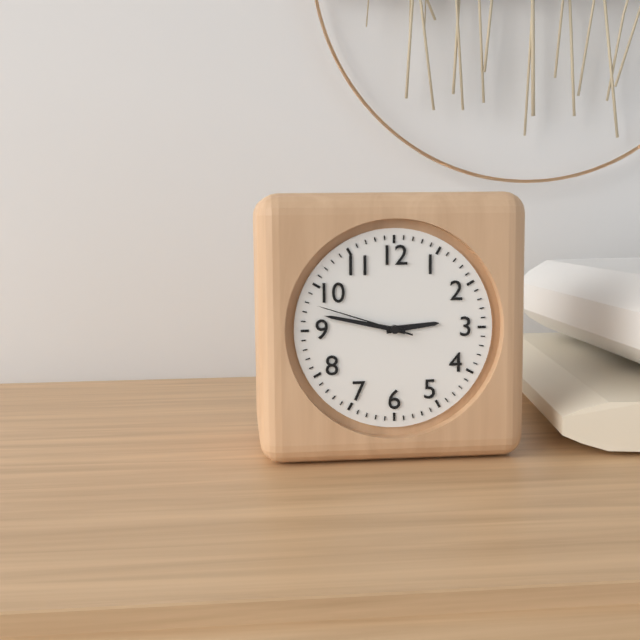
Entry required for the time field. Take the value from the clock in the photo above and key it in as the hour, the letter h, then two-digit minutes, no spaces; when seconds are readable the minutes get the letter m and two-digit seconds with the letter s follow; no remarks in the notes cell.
2h47m48s
